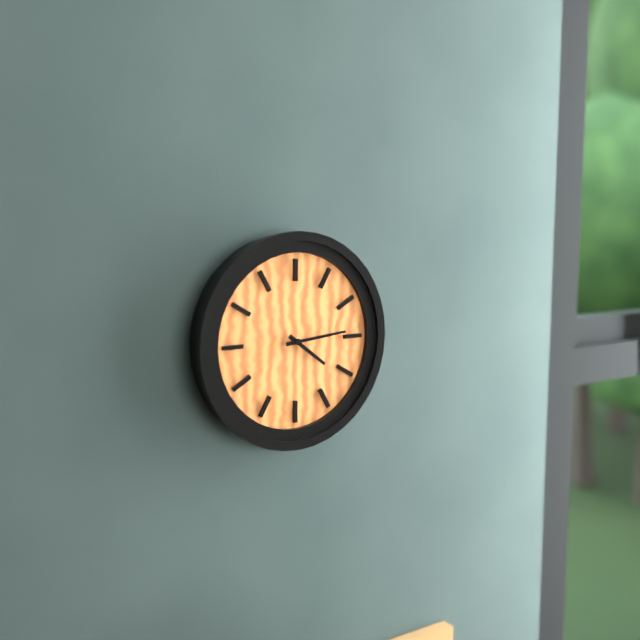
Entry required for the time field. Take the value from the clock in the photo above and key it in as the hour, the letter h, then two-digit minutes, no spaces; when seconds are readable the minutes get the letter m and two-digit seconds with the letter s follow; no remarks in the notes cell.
4h14
